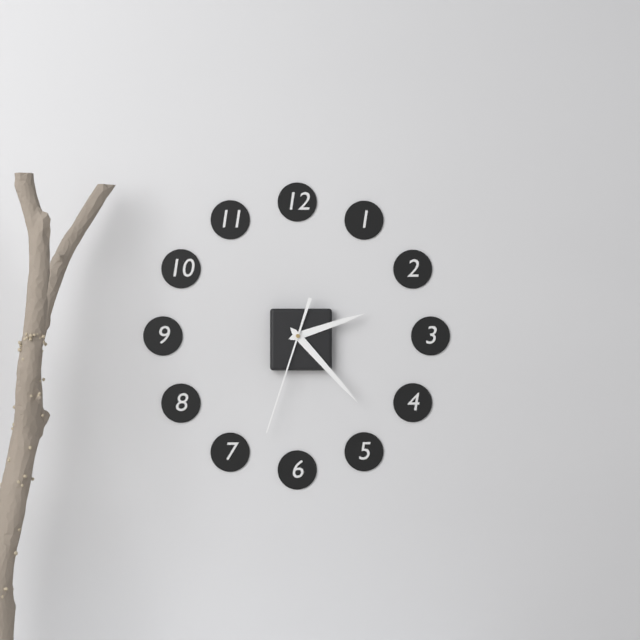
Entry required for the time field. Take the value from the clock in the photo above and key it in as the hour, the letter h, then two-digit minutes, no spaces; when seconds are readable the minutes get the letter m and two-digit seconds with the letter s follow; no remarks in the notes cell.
2h23m33s
